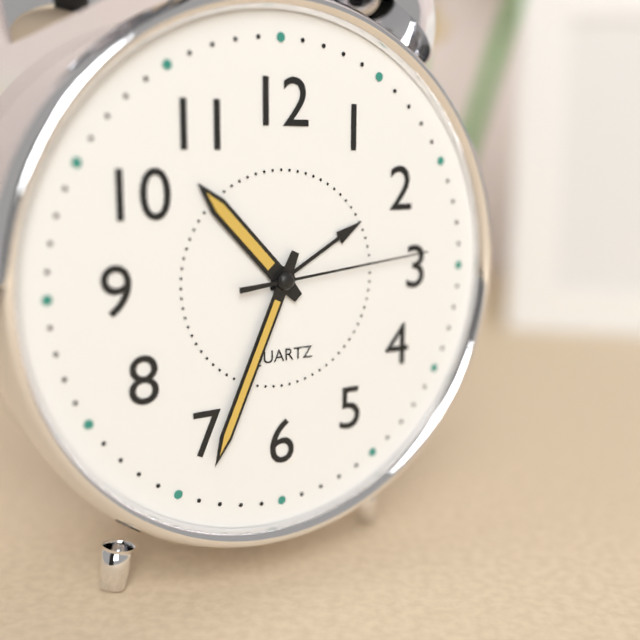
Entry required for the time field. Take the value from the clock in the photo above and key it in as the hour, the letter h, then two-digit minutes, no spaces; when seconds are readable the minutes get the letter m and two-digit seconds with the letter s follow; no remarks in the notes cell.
10h34m14s
